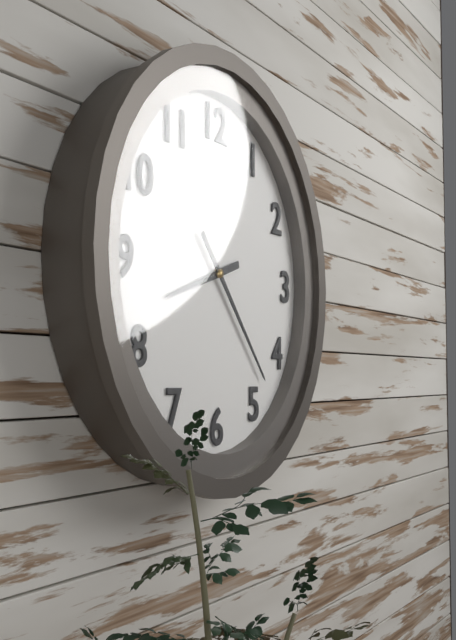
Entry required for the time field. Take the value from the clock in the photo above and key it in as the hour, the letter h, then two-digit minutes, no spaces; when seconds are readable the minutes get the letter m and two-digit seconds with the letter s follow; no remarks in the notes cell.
8h23
